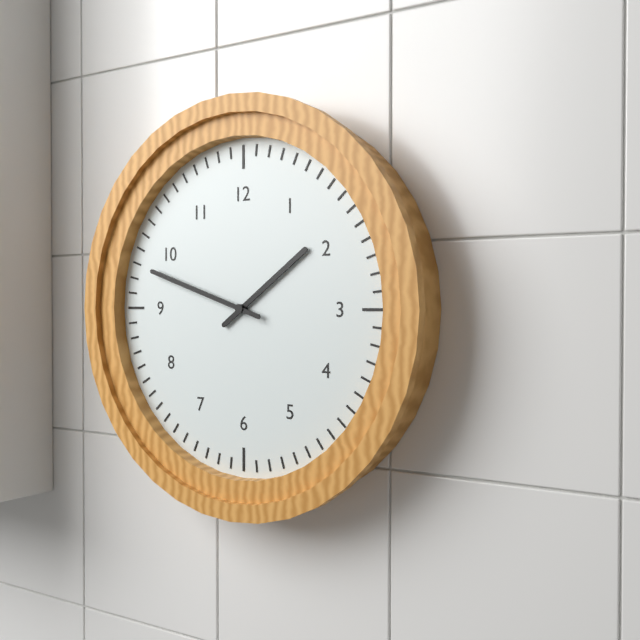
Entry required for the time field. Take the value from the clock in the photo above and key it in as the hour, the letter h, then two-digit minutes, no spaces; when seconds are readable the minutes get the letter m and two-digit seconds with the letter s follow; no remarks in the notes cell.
1h48
